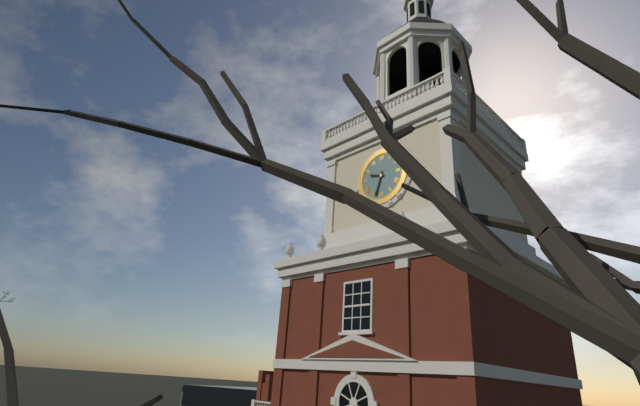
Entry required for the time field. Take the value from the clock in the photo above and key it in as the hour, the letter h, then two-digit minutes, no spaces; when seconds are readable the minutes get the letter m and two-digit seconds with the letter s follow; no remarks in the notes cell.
9h33
